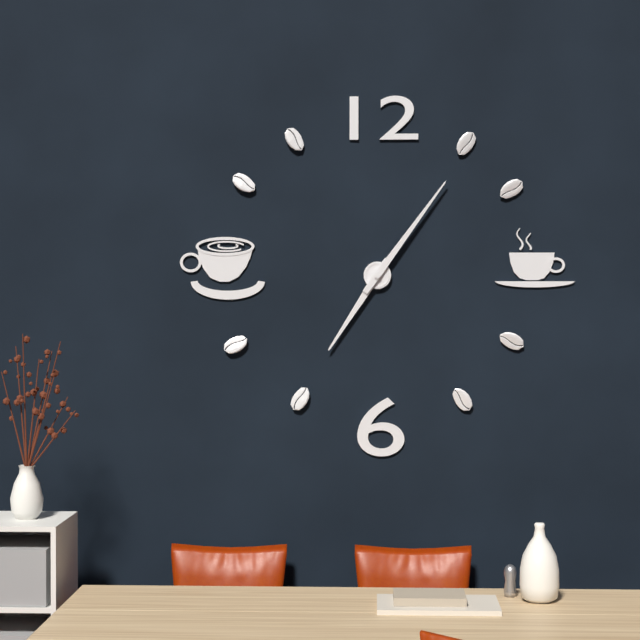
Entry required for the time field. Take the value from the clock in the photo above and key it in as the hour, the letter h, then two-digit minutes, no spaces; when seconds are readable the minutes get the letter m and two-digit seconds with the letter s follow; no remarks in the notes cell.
7h06
